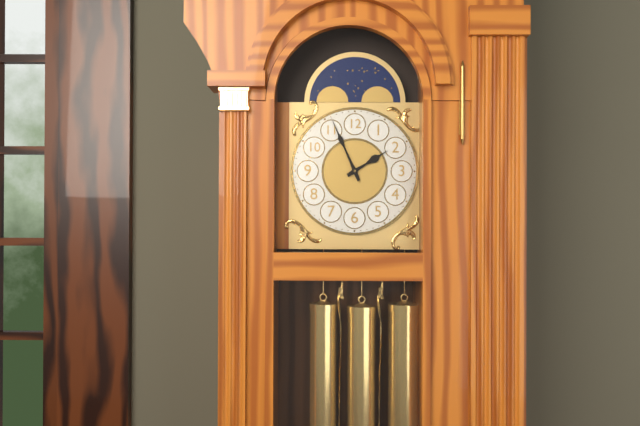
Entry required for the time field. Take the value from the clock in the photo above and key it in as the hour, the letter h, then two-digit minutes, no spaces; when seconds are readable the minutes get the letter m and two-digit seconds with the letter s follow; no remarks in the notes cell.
1h56
